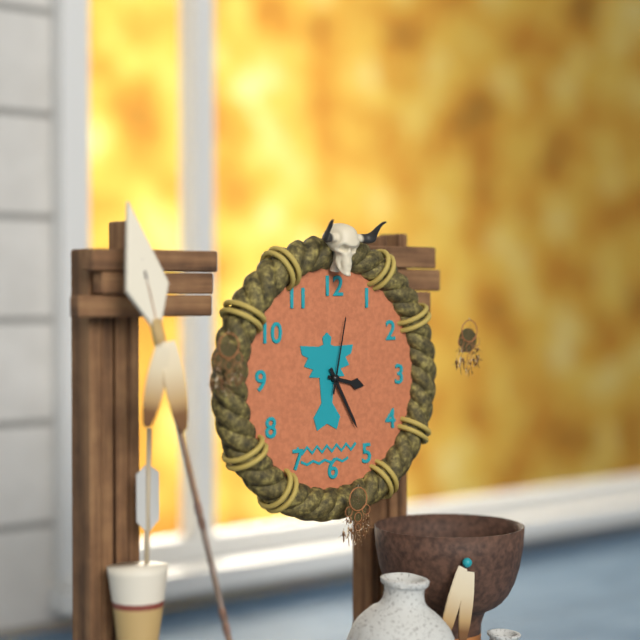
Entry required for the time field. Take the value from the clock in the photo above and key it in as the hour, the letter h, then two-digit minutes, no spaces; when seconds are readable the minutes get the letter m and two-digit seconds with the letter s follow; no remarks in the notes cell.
3h25m02s
